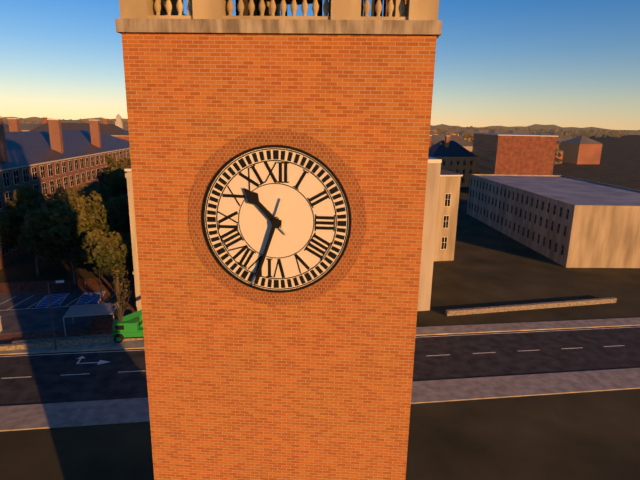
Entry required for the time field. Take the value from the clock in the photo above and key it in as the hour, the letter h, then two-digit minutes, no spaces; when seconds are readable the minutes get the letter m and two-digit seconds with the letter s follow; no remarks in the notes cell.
10h33
